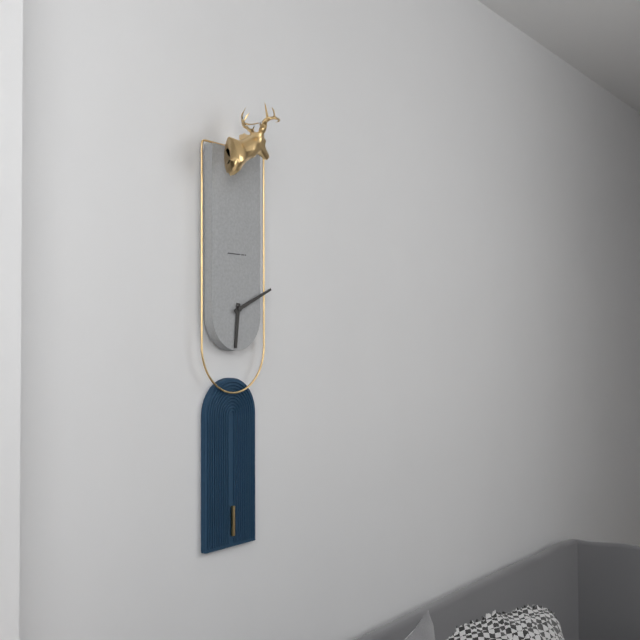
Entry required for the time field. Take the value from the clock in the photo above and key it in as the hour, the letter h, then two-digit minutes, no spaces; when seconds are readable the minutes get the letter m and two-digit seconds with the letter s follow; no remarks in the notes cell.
6h11
